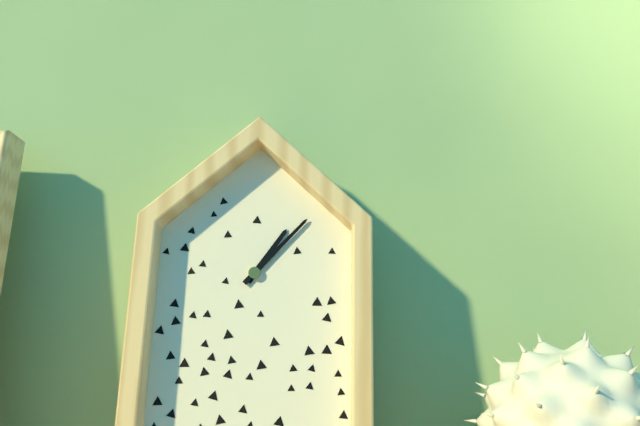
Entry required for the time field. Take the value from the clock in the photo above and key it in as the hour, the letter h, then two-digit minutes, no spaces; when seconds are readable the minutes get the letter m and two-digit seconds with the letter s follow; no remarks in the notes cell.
1h07
